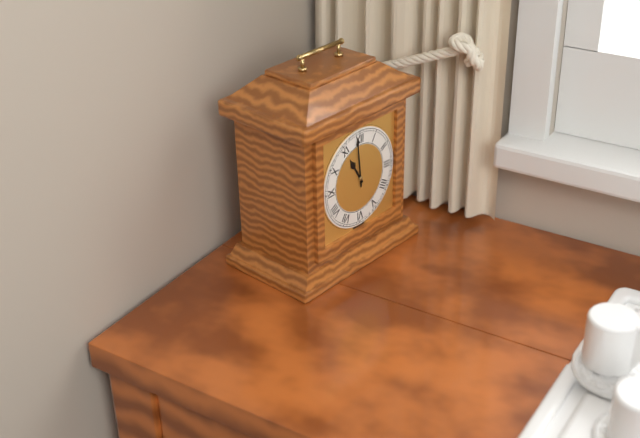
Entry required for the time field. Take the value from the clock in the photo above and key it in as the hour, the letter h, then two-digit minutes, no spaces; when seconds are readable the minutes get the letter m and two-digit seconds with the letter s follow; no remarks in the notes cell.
10h59
